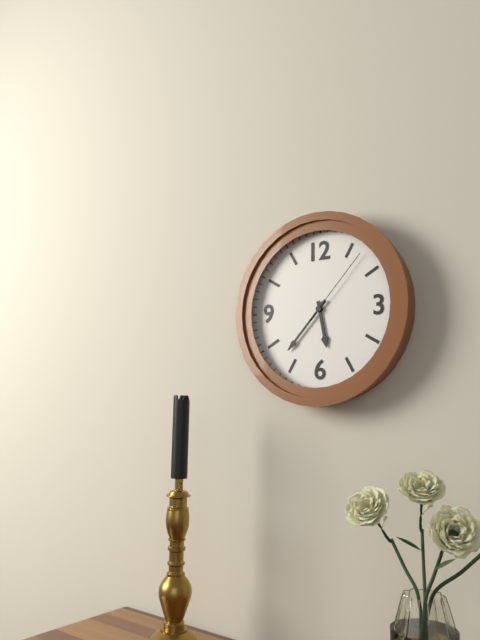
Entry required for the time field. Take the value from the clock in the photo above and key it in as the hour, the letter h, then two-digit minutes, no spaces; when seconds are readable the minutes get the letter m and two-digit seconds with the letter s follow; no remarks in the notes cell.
5h37m07s
